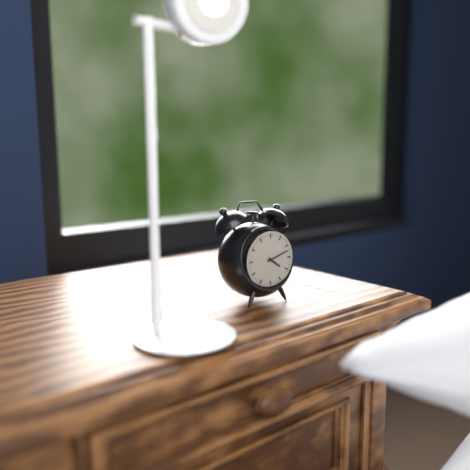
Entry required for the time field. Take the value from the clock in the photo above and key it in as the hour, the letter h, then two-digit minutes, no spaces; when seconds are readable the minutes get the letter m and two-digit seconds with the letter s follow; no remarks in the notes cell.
4h12
